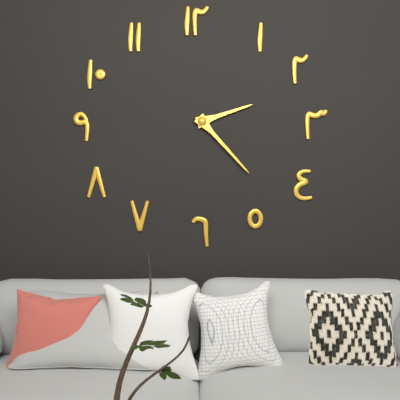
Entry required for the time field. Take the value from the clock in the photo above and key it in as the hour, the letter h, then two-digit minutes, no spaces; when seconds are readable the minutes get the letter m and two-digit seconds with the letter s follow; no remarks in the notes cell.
2h23
